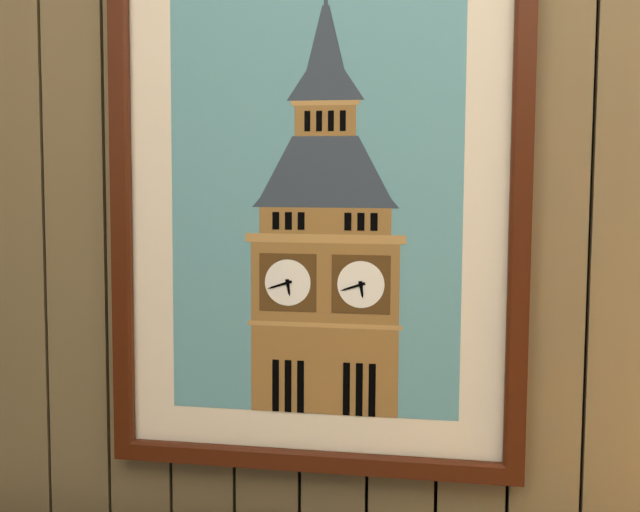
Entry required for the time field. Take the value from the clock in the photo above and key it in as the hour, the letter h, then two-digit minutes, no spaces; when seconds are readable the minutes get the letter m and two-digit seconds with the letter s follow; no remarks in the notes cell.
5h42
